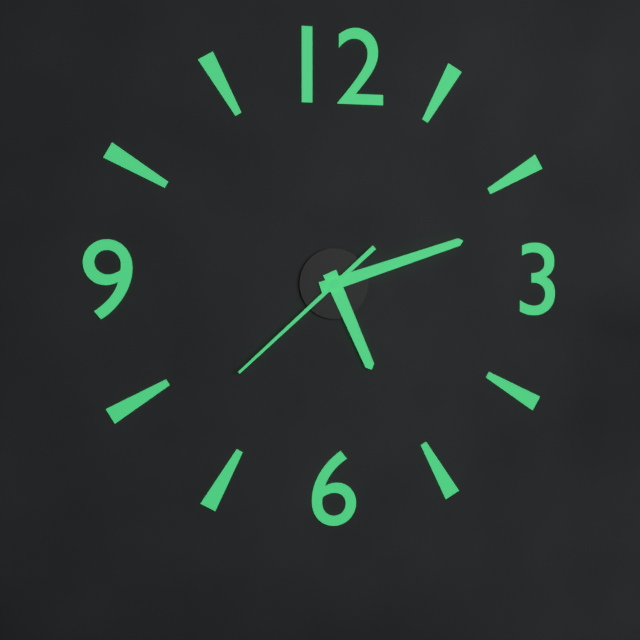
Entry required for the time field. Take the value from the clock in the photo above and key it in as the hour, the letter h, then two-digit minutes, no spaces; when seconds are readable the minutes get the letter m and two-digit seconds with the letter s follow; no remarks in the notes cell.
5h12m38s
